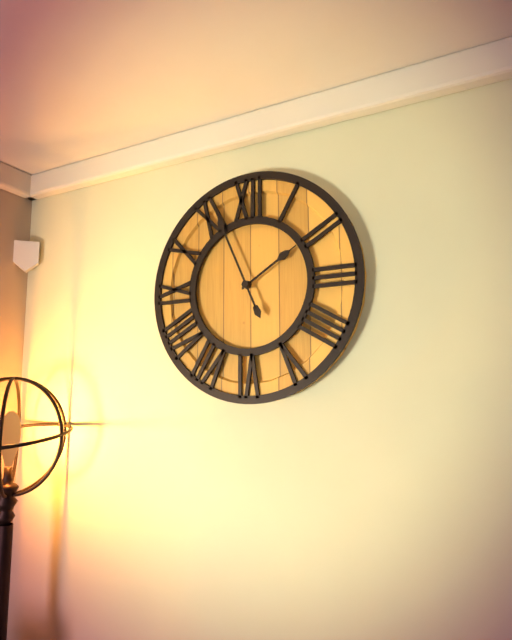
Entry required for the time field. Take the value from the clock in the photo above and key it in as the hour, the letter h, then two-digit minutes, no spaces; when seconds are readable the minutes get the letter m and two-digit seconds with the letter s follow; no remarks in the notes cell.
1h56
